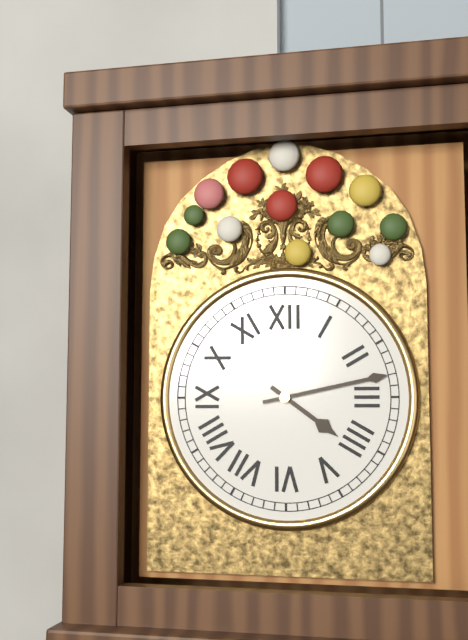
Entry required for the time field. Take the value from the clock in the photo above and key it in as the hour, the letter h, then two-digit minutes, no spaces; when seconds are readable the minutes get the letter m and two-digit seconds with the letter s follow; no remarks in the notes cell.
4h13
